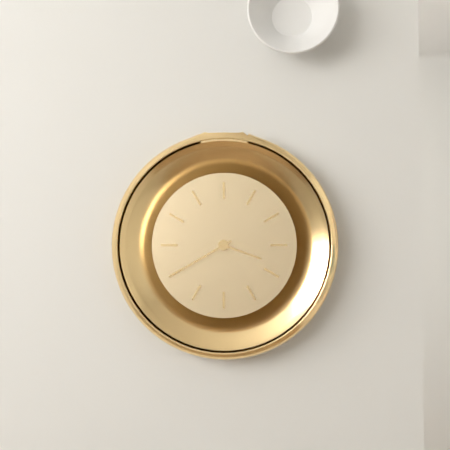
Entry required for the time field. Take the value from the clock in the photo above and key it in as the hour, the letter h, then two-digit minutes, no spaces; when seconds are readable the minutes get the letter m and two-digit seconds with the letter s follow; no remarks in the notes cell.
3h40
